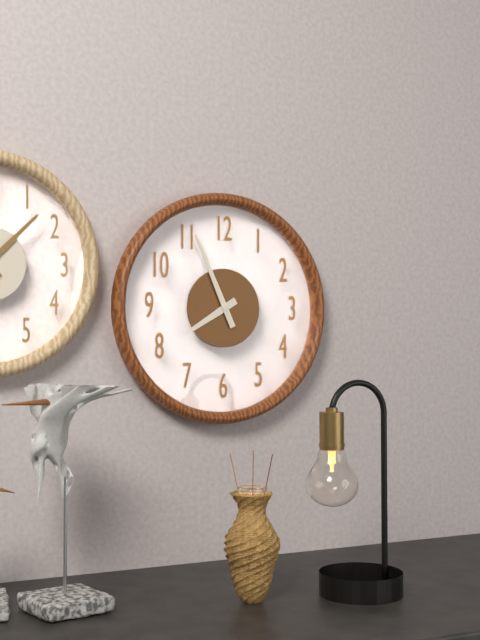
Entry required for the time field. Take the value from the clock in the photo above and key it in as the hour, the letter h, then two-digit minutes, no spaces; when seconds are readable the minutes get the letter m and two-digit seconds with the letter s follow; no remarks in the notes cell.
7h56
